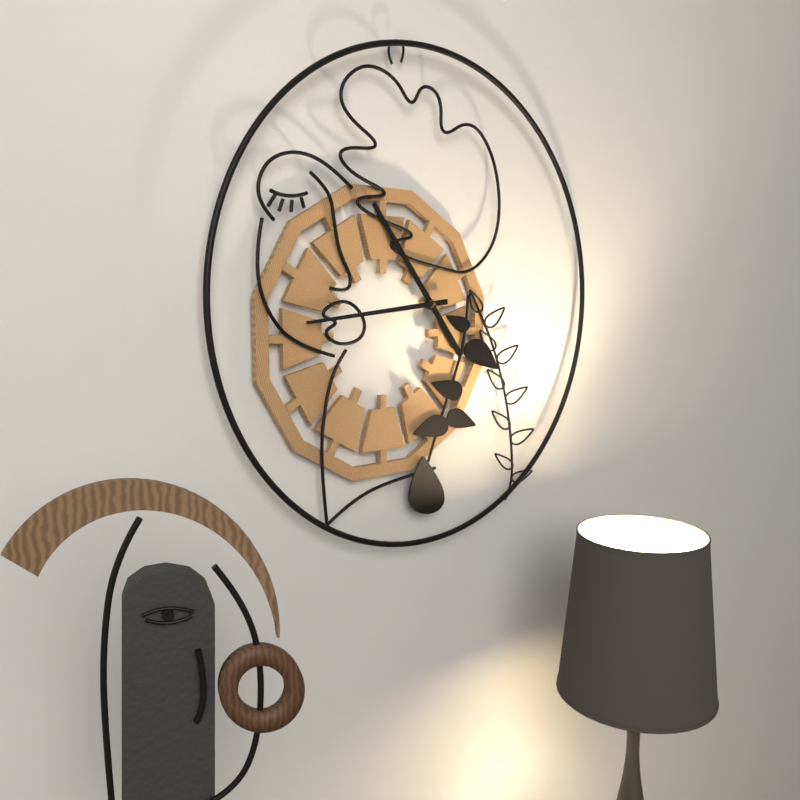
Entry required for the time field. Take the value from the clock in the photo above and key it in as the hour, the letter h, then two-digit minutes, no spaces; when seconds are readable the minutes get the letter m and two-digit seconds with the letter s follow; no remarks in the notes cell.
10h44
